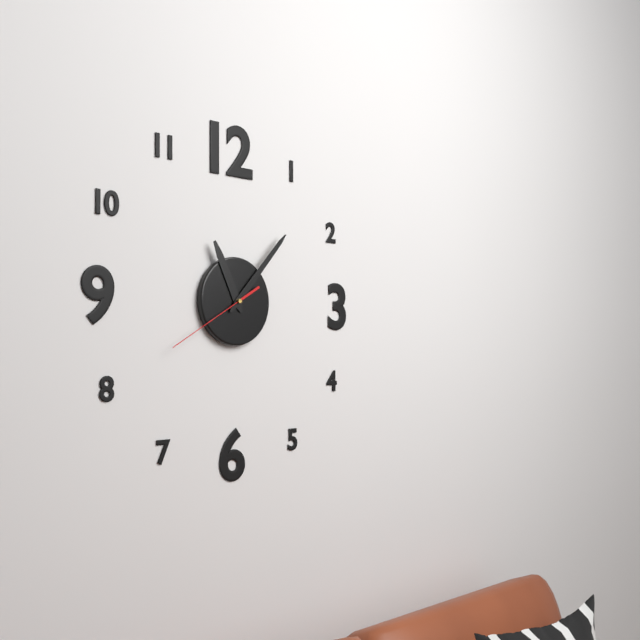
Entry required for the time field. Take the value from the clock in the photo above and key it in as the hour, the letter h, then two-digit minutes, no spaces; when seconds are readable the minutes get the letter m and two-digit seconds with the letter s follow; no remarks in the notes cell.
11h07m40s
